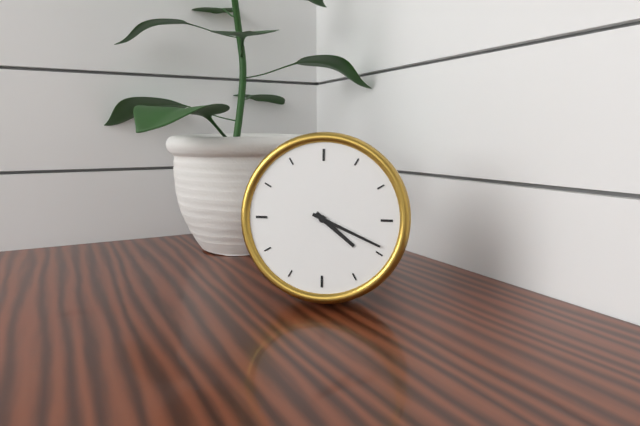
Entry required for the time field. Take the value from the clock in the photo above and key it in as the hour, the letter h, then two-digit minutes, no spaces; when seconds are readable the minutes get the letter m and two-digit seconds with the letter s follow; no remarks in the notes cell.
4h19
